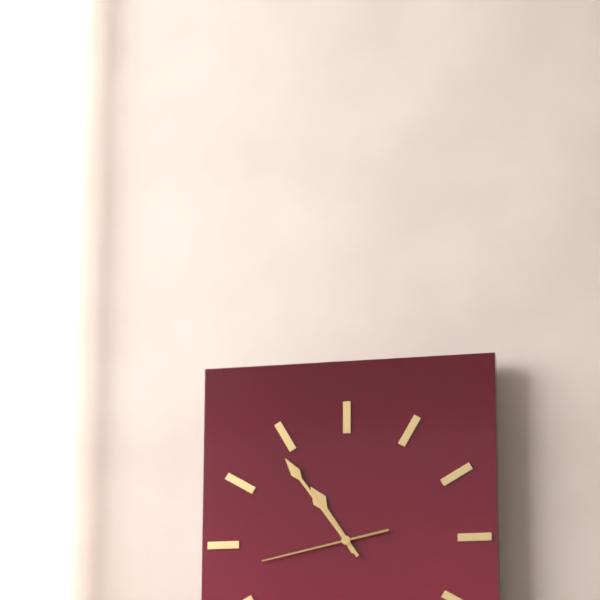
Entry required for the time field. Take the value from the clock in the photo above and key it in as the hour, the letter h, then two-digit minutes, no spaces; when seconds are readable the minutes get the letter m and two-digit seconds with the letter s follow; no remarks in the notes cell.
10h54m43s
